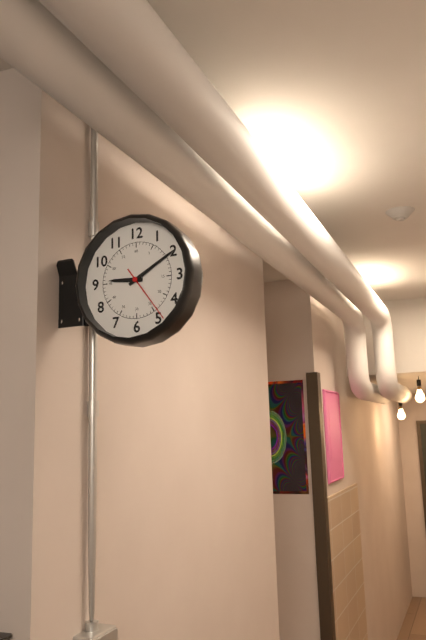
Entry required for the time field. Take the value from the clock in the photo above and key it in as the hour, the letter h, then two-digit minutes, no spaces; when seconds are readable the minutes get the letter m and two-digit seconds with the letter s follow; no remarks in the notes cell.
9h10m24s
